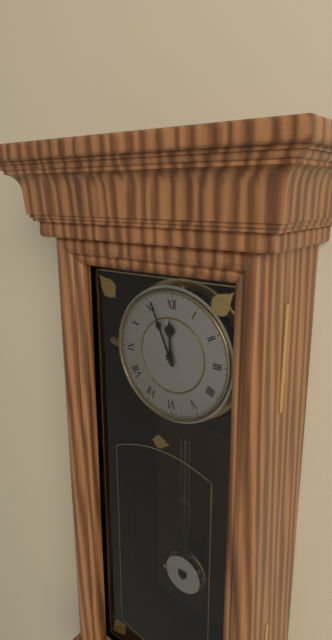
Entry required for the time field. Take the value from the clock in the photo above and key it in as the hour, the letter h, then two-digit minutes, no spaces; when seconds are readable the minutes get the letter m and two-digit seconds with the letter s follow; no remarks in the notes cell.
11h56
